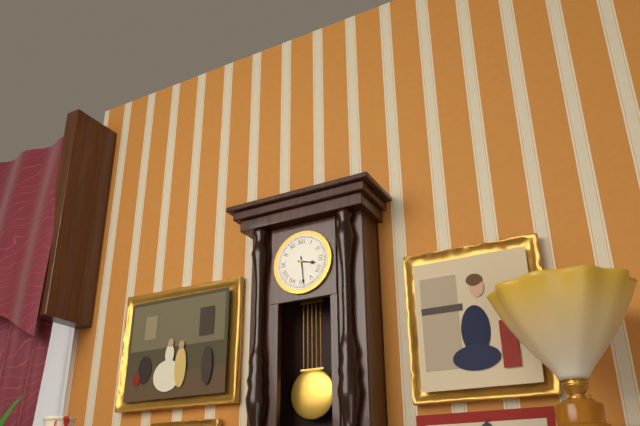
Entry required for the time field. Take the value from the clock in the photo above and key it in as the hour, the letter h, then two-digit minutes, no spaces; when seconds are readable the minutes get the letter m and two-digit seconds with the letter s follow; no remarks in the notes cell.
3h29
